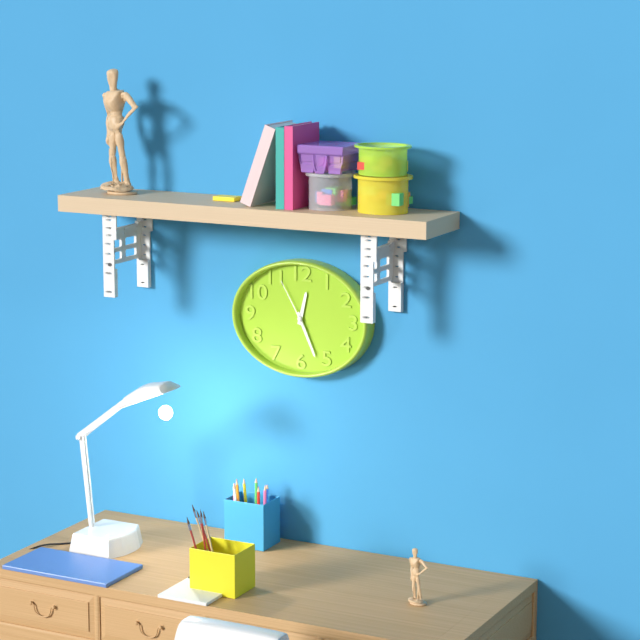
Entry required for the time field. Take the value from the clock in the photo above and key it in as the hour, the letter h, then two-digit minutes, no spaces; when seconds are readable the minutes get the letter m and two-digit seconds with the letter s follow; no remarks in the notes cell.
12h26m55s
